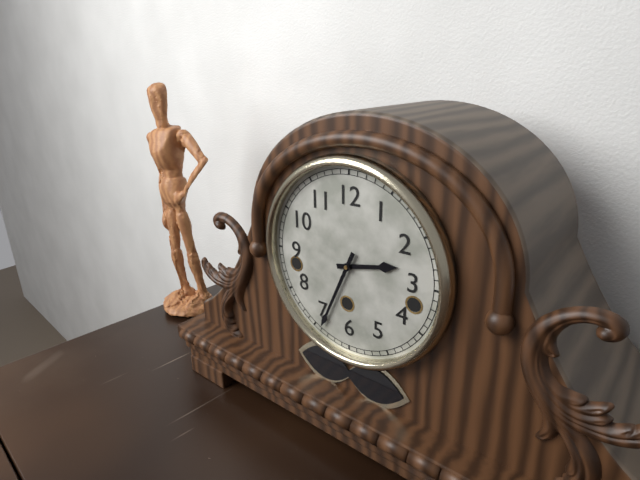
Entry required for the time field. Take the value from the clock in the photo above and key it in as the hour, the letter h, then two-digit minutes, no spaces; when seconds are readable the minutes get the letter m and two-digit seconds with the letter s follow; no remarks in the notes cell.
2h34
